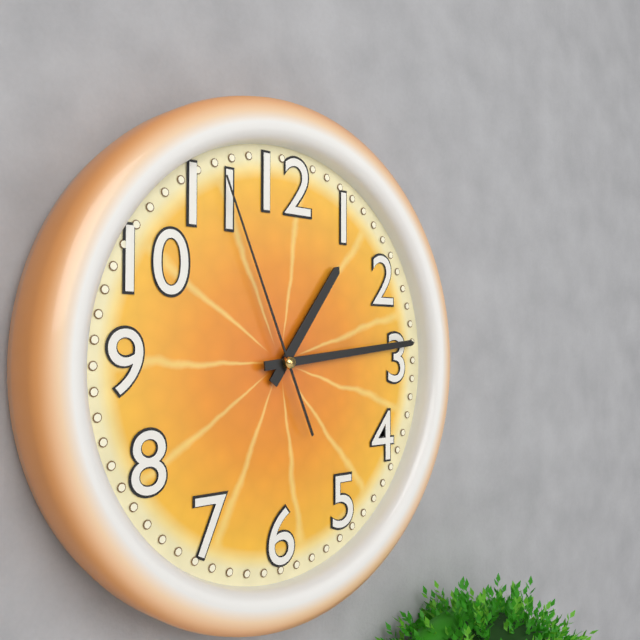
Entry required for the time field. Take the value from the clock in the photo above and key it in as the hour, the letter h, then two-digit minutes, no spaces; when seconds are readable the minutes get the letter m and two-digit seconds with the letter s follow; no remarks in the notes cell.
1h14m56s
